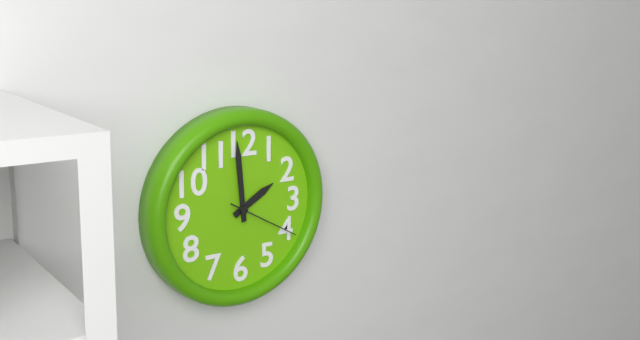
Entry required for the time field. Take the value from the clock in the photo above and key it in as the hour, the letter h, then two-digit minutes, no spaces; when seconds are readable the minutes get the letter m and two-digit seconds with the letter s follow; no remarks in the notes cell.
1h59m20s
